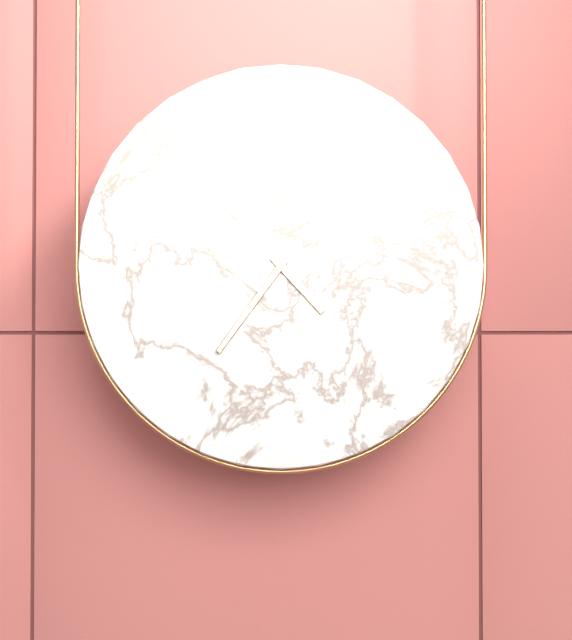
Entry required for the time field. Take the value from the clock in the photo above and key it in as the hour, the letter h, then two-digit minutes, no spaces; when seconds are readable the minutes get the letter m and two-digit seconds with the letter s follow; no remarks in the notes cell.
4h36
